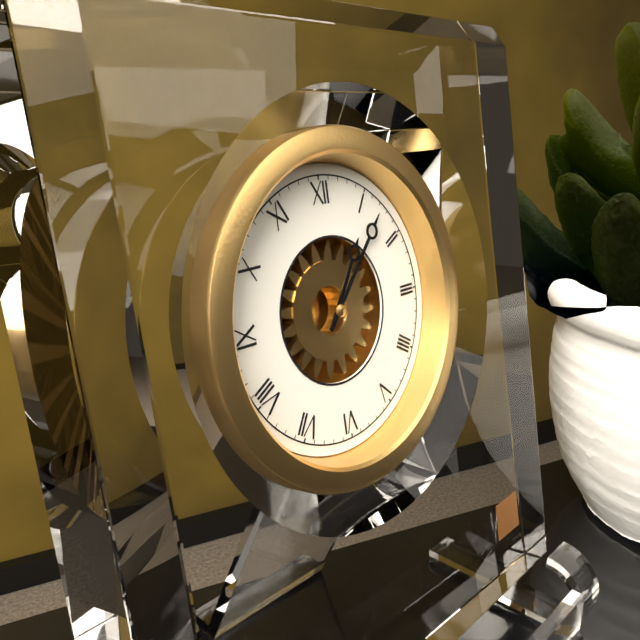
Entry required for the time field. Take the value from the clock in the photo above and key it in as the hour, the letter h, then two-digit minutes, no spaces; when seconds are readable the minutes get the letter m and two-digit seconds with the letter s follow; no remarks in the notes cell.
1h07
